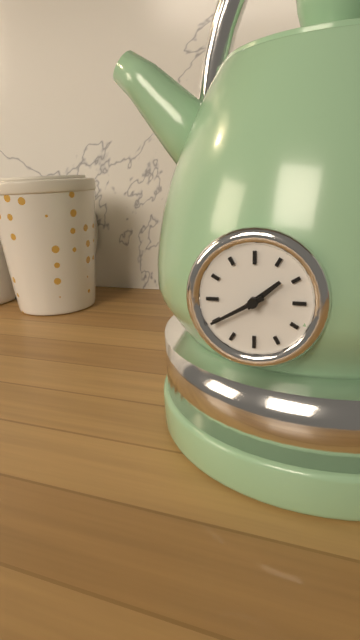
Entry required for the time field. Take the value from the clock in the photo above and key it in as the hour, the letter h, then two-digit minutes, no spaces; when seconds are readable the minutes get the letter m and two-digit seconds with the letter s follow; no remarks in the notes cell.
1h40
